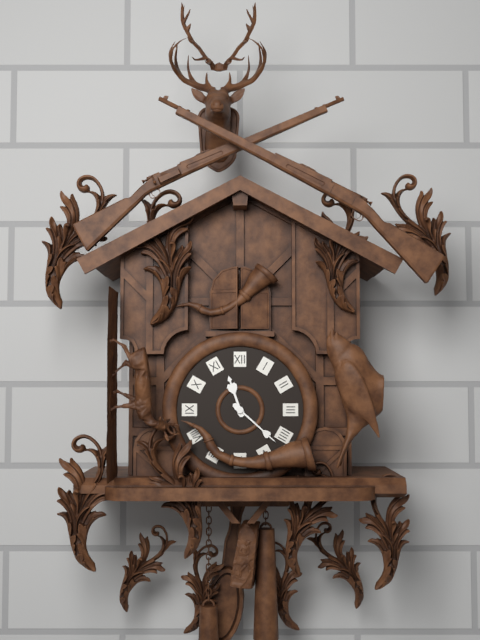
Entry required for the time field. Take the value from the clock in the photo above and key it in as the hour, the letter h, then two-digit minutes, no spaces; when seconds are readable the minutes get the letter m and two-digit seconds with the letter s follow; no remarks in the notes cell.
11h22
